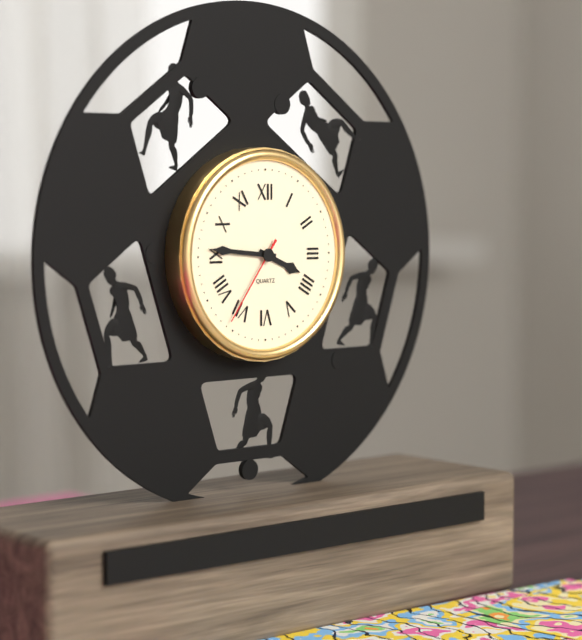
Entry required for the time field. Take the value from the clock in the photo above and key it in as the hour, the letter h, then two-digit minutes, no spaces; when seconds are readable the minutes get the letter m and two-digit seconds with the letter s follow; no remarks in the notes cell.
3h46m36s
